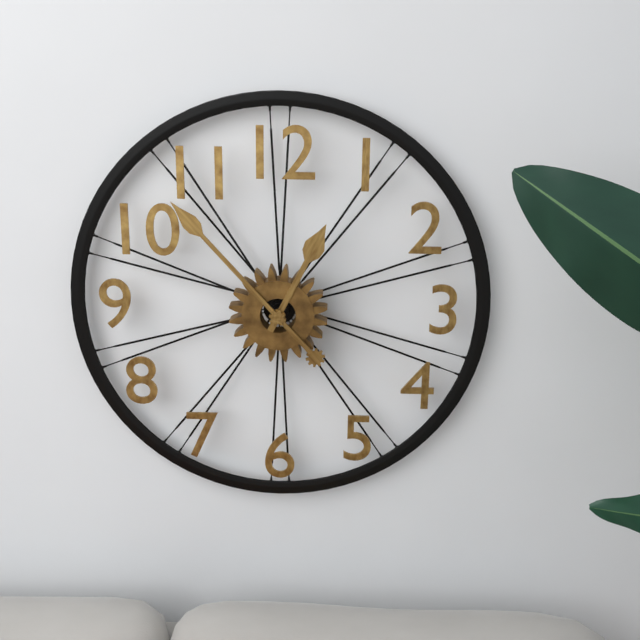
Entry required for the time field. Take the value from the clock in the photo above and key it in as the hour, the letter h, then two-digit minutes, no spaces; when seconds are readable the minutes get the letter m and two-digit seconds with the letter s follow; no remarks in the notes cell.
12h53
